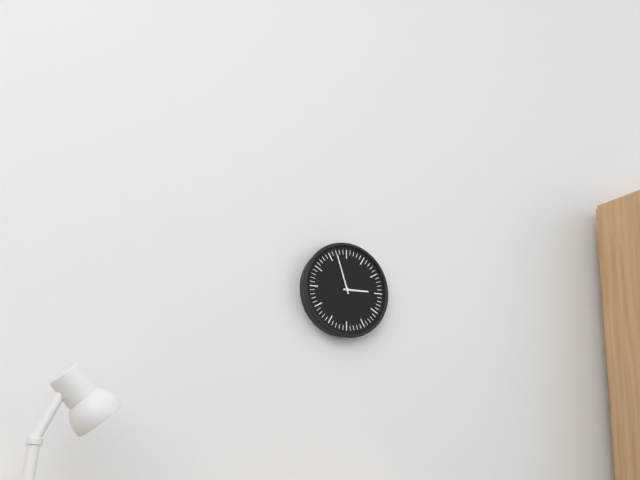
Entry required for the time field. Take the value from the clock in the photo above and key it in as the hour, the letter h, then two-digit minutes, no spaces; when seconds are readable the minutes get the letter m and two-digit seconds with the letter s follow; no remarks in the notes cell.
2h57
